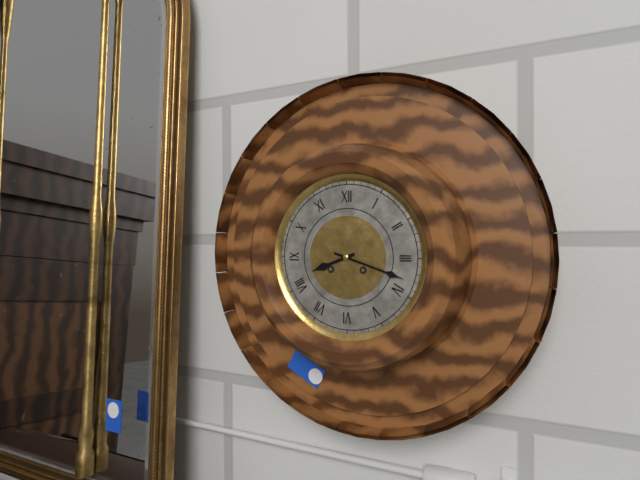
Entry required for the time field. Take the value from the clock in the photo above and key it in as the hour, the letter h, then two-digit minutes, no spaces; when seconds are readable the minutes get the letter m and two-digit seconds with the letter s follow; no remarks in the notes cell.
8h18
